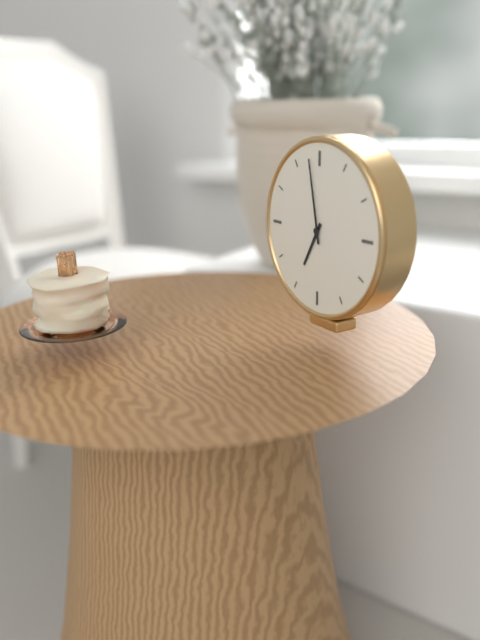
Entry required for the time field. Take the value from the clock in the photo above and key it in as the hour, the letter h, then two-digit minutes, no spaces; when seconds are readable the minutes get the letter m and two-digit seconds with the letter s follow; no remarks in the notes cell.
6h58
